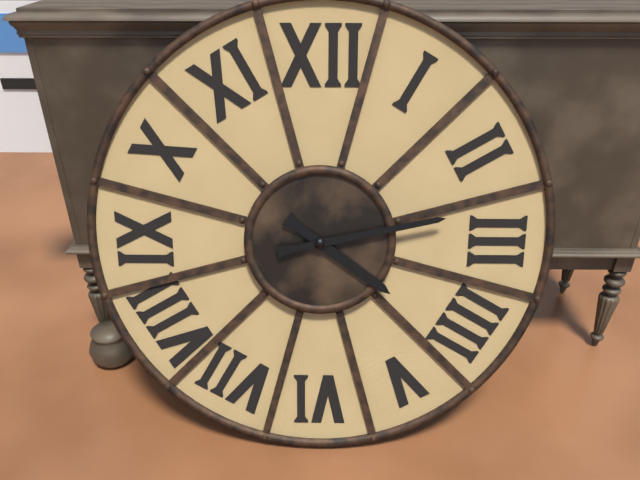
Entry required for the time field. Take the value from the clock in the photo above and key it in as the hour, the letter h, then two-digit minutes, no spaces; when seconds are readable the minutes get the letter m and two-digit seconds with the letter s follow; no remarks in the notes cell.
4h13
